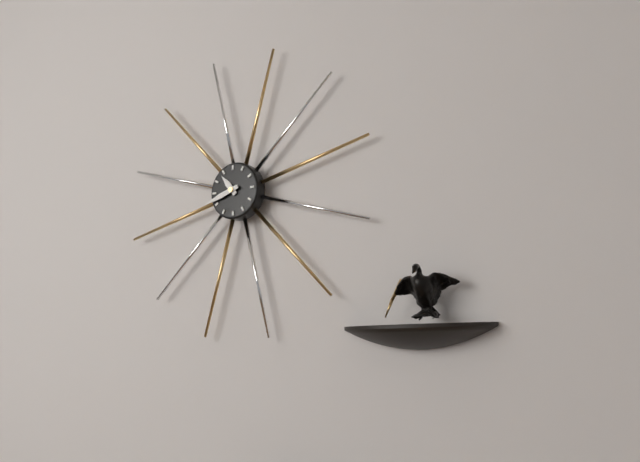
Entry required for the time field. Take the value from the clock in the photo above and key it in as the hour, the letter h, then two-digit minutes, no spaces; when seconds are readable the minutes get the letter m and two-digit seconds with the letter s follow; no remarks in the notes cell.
10h42
